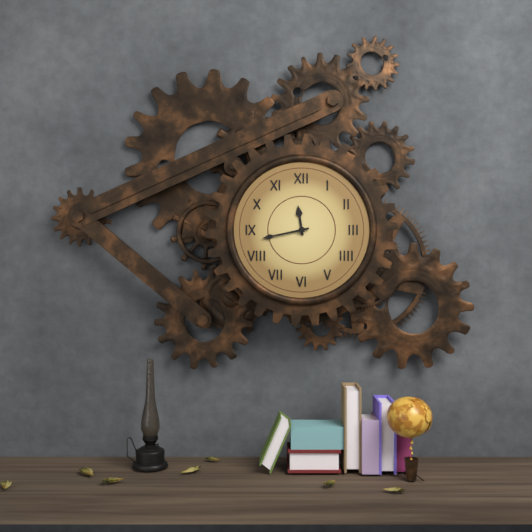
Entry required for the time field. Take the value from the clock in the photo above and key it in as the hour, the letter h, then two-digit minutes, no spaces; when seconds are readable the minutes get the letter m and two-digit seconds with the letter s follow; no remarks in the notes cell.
11h43
